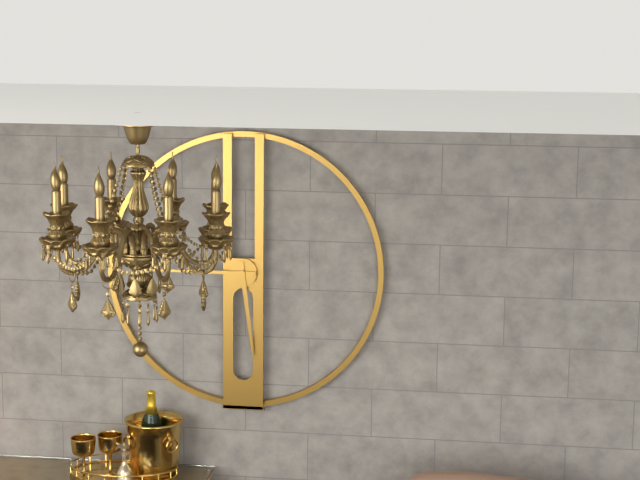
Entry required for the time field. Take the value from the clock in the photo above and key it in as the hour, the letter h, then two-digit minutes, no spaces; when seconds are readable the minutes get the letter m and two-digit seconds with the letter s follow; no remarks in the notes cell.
5h45
